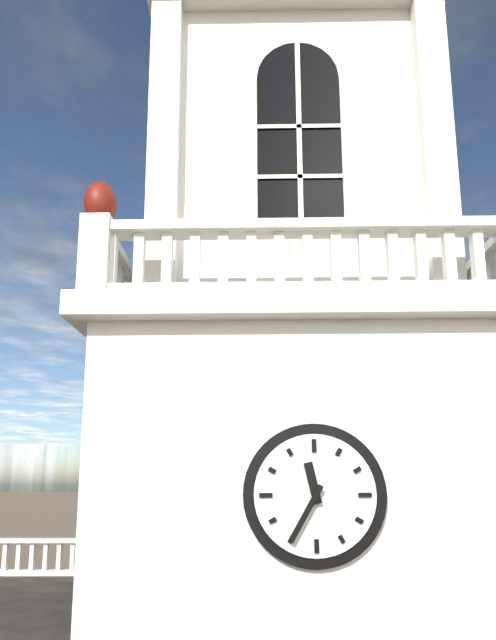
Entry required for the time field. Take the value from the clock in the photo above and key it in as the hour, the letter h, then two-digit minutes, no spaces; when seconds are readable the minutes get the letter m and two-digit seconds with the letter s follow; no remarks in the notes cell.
11h35
